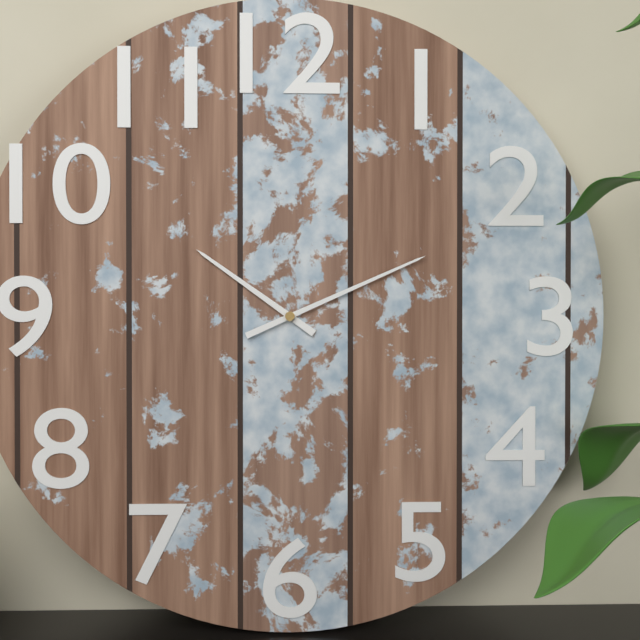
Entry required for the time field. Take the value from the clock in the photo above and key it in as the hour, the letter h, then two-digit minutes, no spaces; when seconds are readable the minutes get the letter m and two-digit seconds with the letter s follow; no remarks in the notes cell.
10h11
